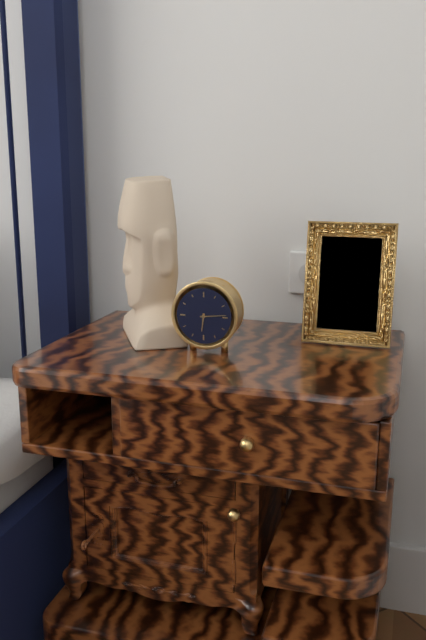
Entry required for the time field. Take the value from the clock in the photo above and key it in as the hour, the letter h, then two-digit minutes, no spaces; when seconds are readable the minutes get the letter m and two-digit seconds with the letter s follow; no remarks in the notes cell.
6h14
